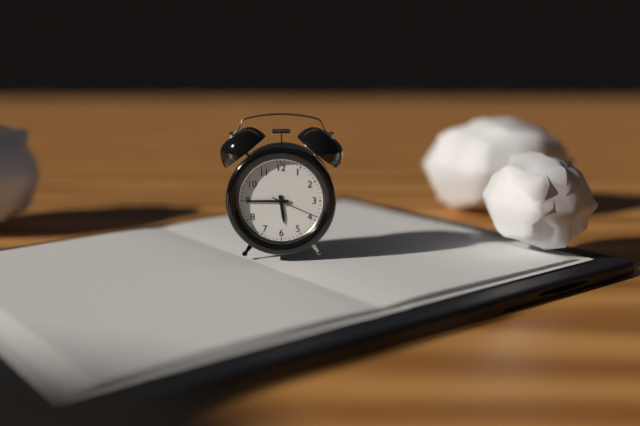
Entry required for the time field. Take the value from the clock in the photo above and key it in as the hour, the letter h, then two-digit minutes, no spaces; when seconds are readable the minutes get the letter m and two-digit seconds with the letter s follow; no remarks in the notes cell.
5h45m19s
